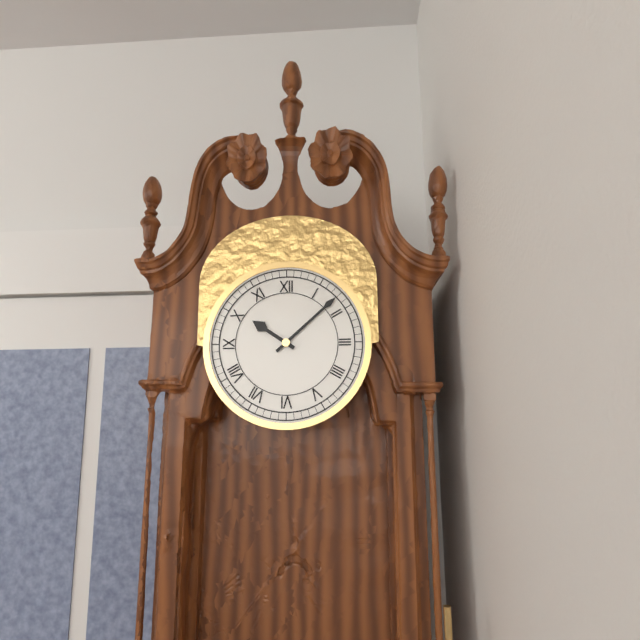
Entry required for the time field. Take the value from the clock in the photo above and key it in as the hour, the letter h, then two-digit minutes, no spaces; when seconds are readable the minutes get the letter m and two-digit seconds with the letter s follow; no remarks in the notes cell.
10h08
